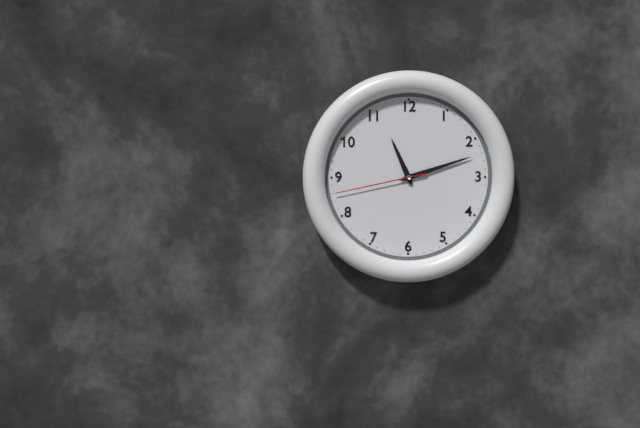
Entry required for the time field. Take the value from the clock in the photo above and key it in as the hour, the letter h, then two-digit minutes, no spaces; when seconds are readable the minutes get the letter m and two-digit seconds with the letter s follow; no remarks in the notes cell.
11h12m43s
